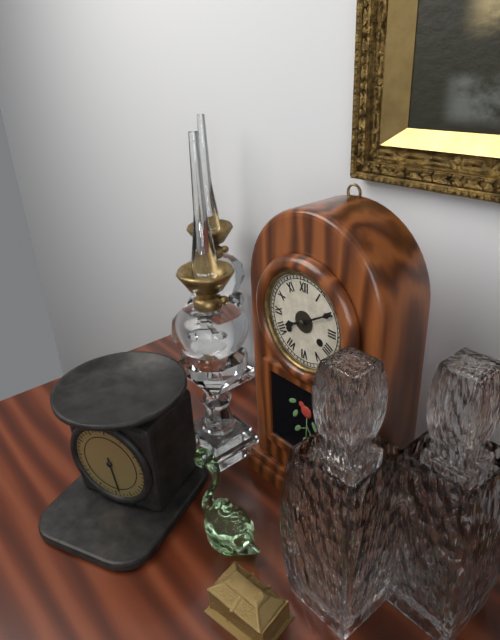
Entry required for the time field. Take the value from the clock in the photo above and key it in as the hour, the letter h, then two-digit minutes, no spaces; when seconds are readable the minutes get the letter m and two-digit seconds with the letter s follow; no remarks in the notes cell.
8h10
